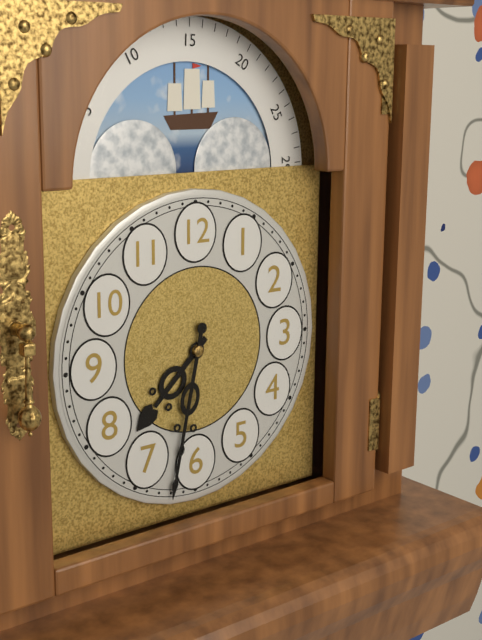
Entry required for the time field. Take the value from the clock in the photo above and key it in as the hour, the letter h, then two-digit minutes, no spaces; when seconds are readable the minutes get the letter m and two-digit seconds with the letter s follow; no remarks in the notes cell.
7h32
